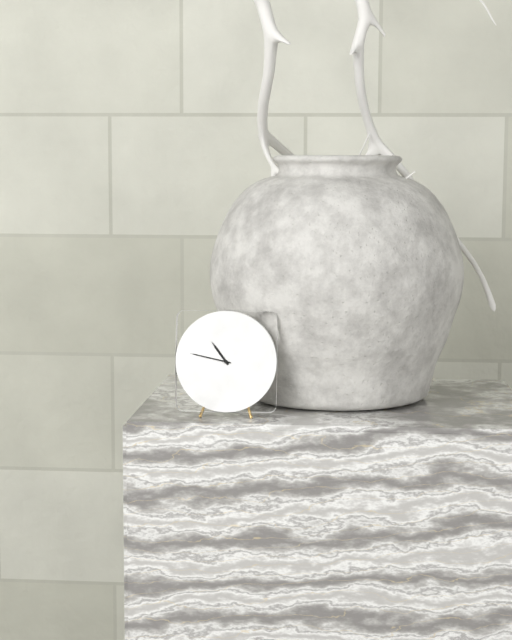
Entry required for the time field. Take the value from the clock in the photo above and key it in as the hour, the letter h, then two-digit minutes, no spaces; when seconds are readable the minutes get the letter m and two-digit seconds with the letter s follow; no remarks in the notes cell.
10h47
